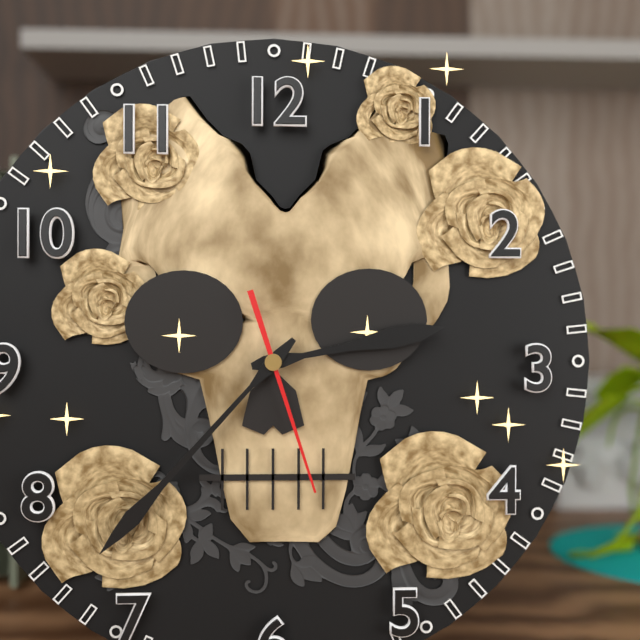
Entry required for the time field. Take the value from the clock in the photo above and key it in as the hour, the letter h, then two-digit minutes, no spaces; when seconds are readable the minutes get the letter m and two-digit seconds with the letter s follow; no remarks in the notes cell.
2h37m27s
